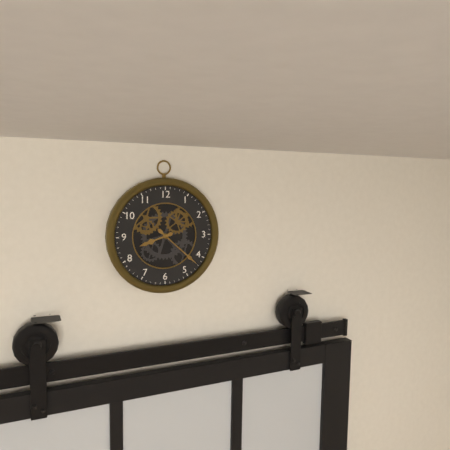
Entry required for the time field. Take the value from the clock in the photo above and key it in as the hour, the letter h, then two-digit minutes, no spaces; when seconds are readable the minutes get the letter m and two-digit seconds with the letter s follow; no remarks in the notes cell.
8h22
